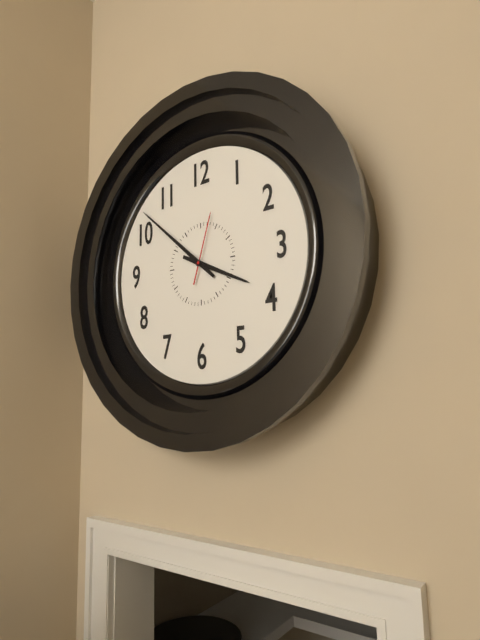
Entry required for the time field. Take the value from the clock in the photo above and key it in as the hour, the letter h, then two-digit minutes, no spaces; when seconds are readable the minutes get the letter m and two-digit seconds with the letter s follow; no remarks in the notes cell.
3h52m03s
